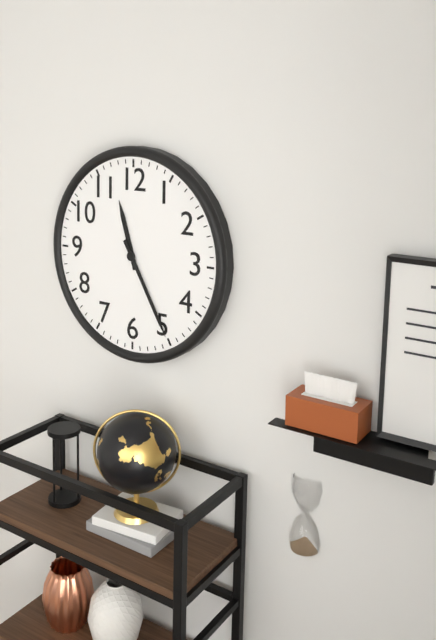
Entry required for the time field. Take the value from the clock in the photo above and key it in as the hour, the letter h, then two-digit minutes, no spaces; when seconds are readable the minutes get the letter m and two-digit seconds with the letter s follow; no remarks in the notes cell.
11h25
